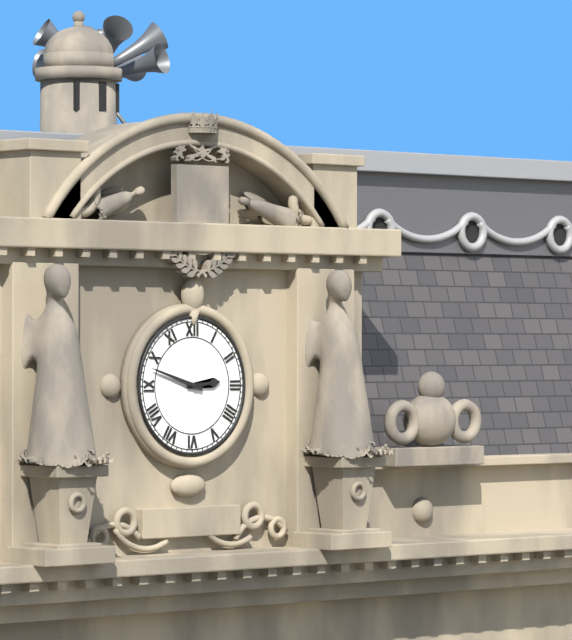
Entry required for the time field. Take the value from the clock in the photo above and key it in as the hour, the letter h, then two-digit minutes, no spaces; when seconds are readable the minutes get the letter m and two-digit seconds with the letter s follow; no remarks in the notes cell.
2h48
